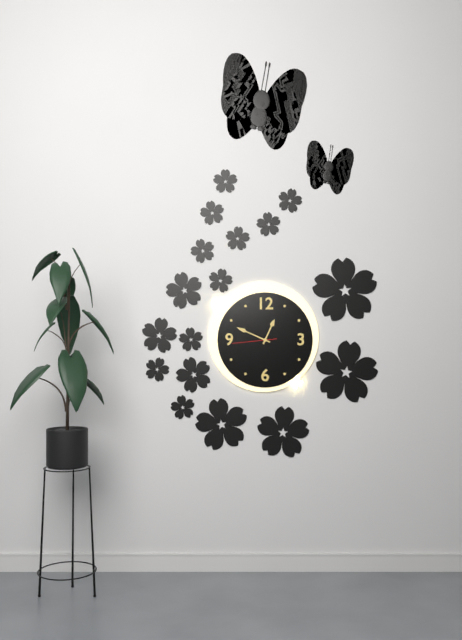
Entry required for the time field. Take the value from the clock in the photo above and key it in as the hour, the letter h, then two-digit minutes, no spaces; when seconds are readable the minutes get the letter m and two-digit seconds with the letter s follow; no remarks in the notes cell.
12h49
